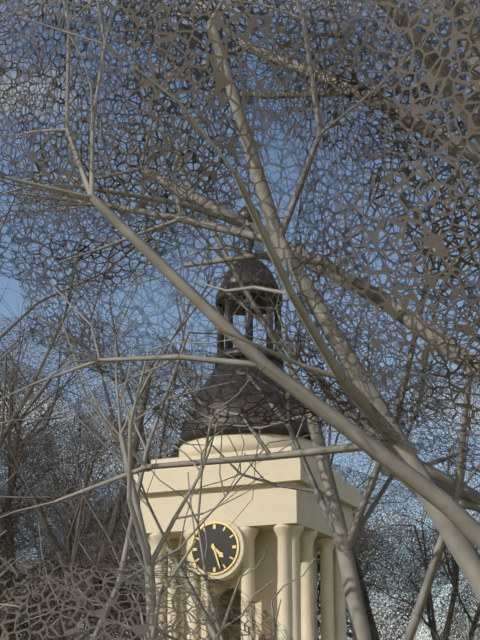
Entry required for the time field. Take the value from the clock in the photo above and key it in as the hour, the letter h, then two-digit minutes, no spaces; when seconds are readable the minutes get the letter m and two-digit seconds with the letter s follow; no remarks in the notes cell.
4h27
